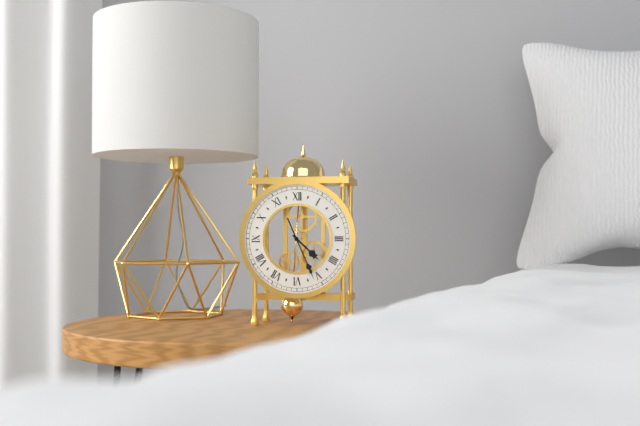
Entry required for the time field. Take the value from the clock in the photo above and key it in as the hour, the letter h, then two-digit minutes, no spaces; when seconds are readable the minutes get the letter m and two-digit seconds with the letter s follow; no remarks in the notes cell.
4h26
